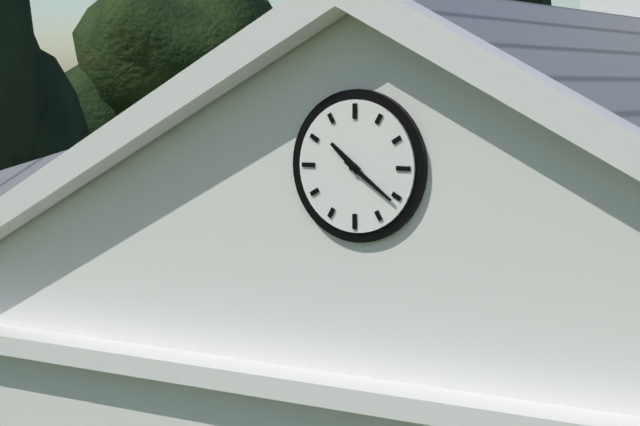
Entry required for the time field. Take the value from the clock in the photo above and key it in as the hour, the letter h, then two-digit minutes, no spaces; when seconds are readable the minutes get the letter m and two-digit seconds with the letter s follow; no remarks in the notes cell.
10h21
